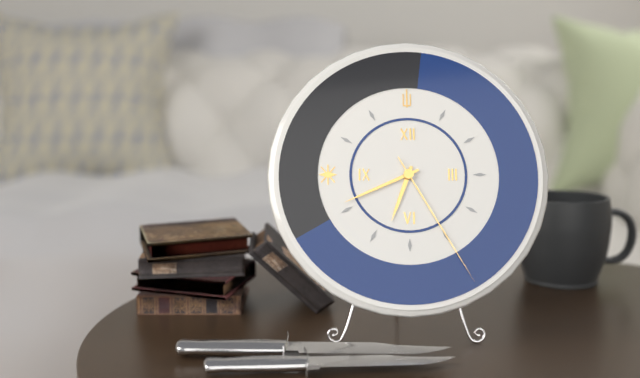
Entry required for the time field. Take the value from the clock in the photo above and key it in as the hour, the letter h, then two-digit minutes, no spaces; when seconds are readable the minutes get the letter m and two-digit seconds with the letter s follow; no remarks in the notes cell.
6h41m25s
